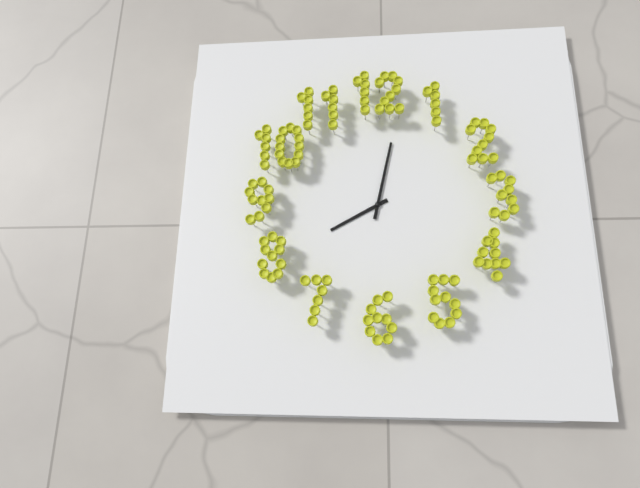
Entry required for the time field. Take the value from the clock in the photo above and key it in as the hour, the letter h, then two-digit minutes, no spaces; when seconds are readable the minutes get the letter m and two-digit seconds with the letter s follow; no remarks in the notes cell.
8h02
